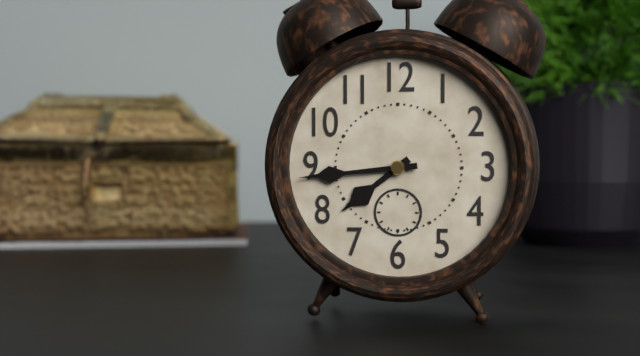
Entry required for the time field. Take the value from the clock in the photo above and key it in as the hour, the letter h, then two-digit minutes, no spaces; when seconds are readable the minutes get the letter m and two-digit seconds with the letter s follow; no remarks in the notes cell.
7h44
